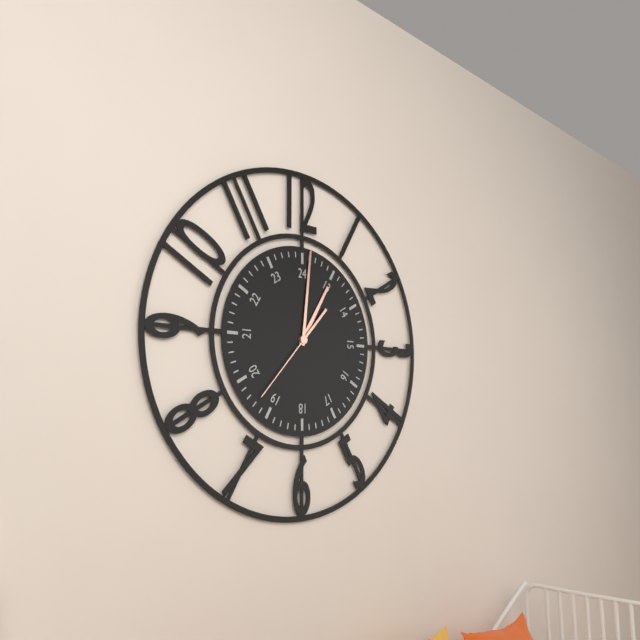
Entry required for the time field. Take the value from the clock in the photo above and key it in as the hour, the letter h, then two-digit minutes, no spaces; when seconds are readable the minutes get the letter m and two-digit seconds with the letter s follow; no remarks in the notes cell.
1h01m37s
